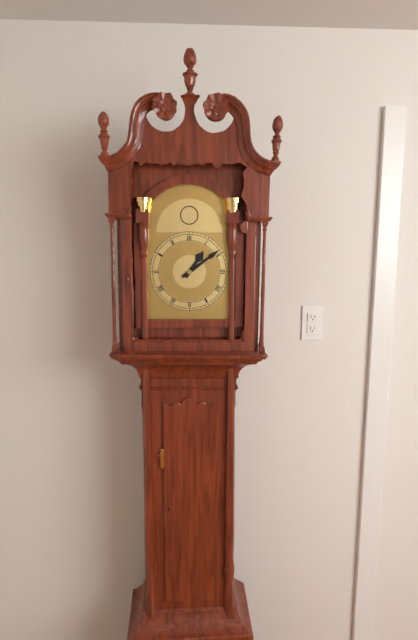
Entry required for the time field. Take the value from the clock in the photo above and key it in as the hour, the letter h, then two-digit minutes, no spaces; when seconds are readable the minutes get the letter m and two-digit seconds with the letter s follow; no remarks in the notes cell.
1h09
